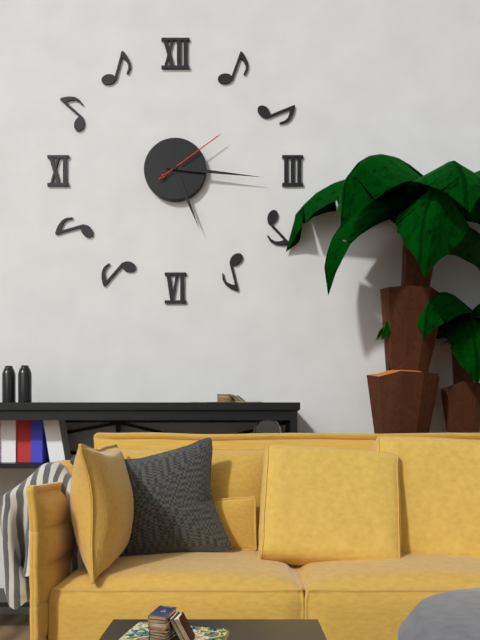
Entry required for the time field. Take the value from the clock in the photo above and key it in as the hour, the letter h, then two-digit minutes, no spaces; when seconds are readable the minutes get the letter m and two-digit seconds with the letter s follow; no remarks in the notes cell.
5h16m09s
